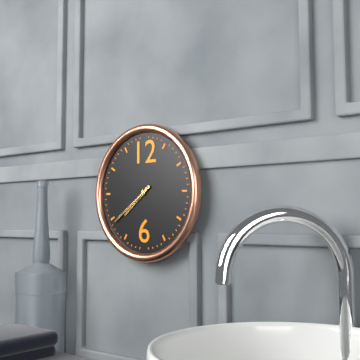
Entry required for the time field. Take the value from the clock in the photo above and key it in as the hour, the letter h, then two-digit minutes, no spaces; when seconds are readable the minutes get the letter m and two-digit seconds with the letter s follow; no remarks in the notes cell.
7h39
